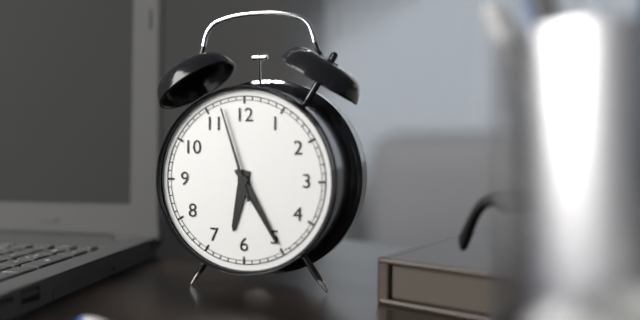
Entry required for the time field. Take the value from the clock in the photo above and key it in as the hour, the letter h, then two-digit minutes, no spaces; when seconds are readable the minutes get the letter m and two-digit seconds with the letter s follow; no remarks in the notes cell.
6h25m57s
